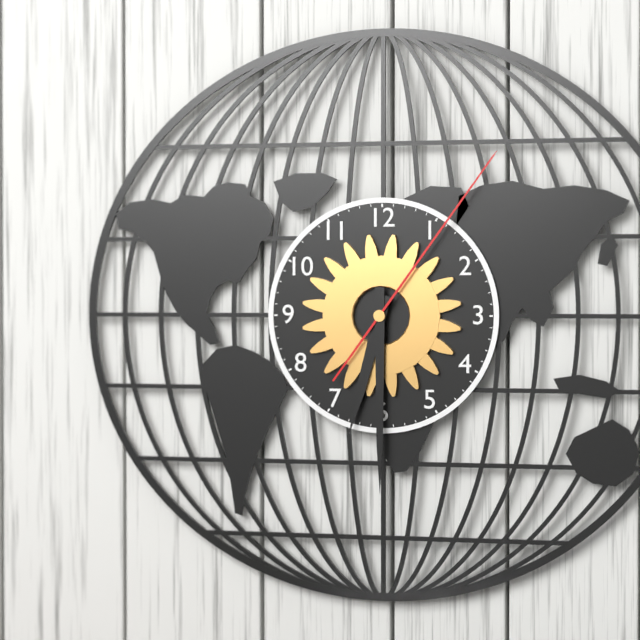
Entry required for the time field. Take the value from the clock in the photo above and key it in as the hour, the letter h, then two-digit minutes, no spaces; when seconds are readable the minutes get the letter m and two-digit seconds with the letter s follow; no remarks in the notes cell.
6h30m06s
